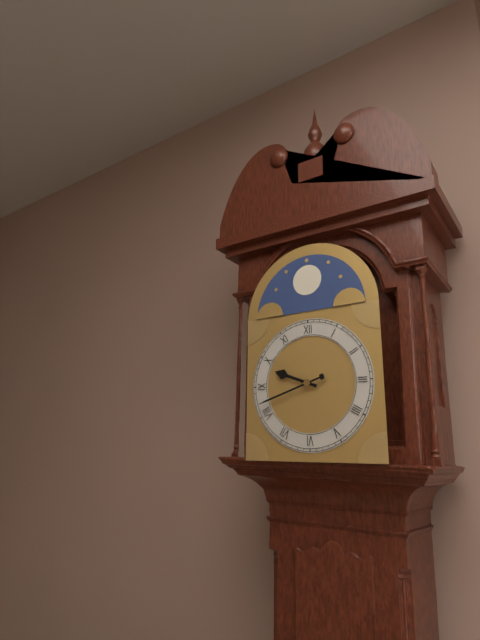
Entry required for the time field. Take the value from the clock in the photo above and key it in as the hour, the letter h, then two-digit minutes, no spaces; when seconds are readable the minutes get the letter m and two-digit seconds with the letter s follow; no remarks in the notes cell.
9h42
